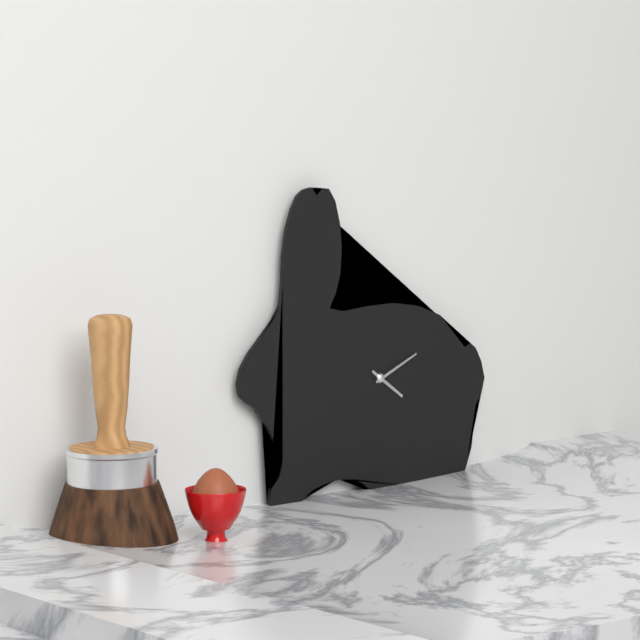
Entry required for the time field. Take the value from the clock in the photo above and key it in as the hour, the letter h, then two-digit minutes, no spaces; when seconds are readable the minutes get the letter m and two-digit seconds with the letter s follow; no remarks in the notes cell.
4h11
